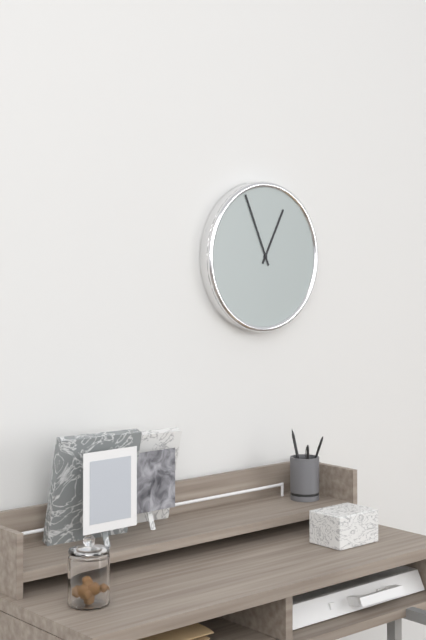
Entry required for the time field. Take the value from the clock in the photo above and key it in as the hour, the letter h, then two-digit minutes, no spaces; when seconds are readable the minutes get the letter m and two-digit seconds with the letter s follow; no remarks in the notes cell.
12h56
